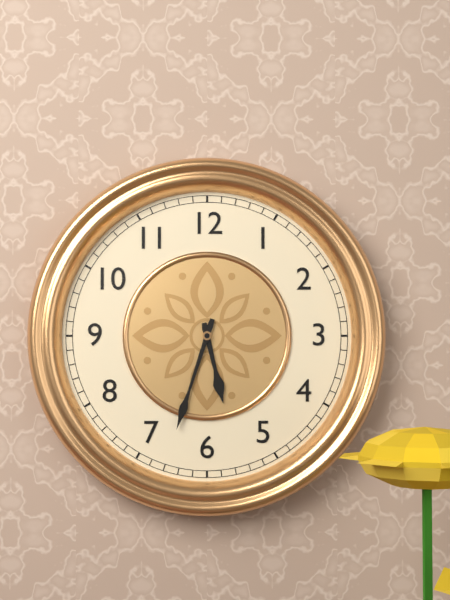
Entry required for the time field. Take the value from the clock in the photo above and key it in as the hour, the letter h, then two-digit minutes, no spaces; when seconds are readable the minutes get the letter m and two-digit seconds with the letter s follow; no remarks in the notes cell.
5h33
